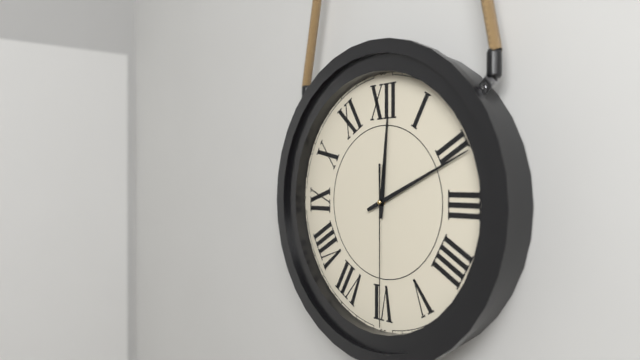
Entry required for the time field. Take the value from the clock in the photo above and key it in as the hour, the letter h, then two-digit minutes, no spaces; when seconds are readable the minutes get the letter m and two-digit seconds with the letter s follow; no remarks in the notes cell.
12h11m30s
